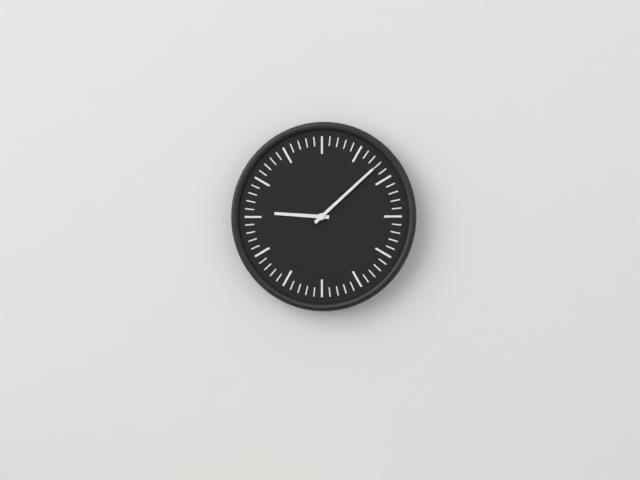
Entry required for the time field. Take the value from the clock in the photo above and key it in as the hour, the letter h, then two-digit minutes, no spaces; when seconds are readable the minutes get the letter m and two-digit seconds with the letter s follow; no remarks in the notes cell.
9h08
